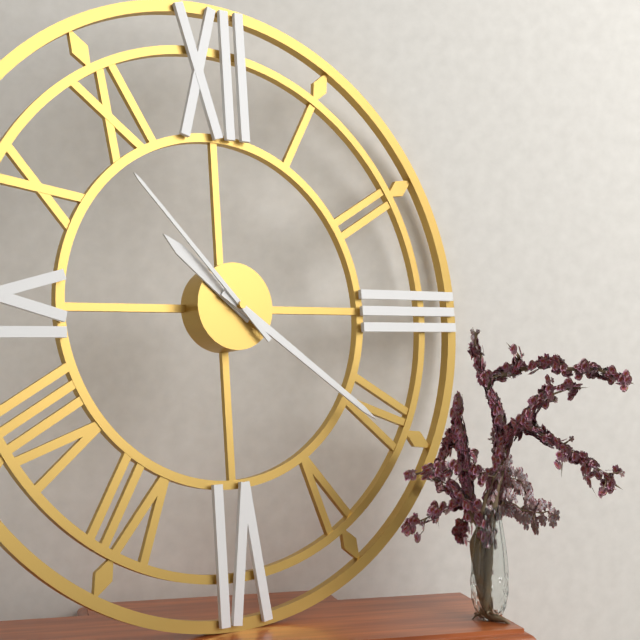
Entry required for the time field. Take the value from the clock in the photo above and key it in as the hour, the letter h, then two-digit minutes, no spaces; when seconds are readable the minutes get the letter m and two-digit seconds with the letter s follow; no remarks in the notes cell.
10h21m53s
